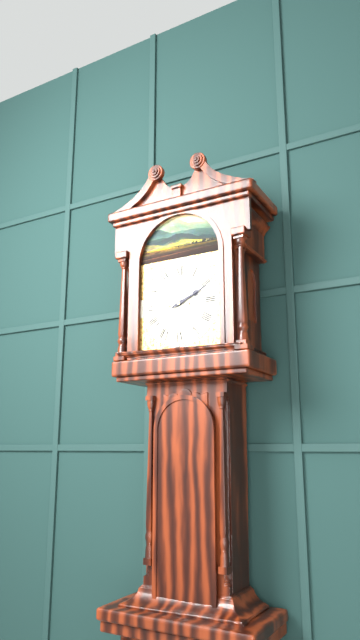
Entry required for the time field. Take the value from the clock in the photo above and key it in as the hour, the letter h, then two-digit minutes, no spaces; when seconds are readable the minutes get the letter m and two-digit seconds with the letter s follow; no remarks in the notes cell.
2h11
